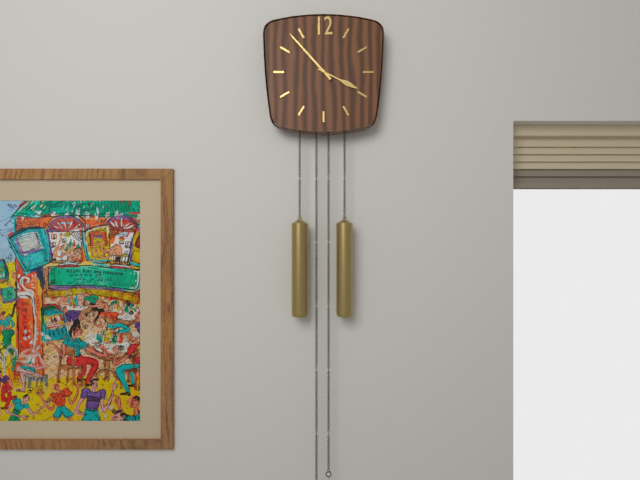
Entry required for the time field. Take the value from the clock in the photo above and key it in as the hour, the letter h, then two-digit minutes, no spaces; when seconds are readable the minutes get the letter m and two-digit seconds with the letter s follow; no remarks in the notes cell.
3h53
